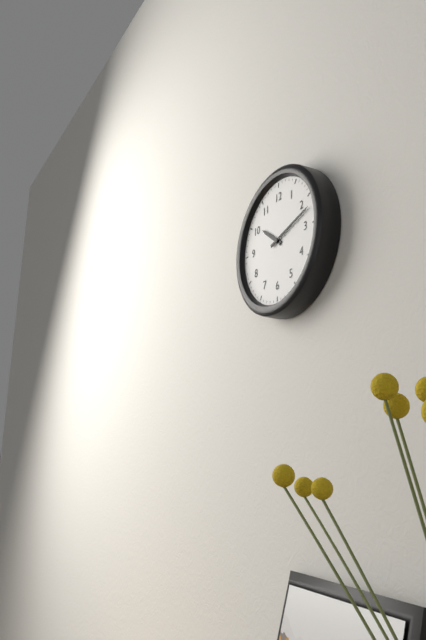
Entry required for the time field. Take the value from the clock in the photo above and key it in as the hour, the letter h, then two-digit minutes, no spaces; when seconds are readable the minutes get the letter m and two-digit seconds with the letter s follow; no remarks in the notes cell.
10h12
